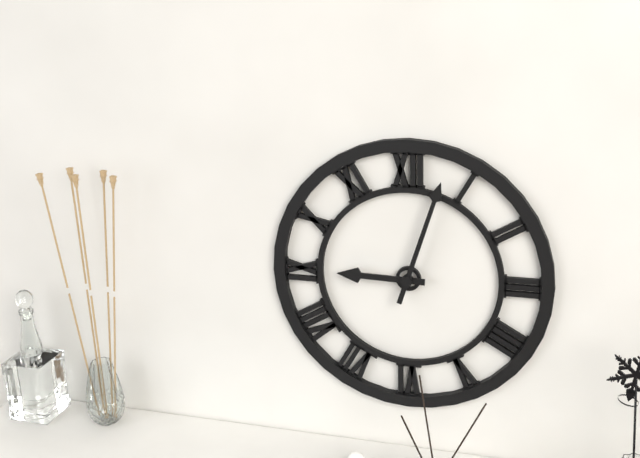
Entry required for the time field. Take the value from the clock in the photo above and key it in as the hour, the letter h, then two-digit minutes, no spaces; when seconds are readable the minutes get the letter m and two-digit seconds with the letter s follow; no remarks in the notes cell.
9h03
